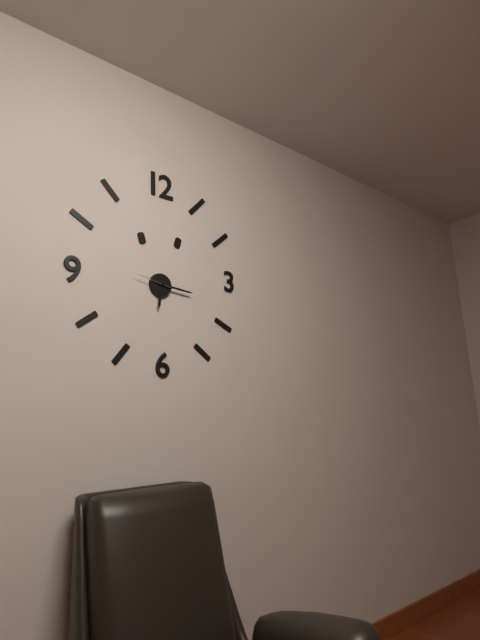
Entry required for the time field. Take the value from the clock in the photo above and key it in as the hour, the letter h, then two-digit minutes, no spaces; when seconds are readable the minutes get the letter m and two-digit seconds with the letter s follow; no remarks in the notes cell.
6h16
